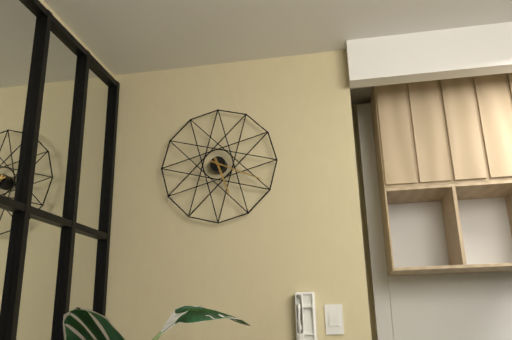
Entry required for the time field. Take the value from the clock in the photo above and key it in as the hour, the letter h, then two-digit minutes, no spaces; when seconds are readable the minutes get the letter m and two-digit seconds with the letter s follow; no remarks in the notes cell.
5h19
